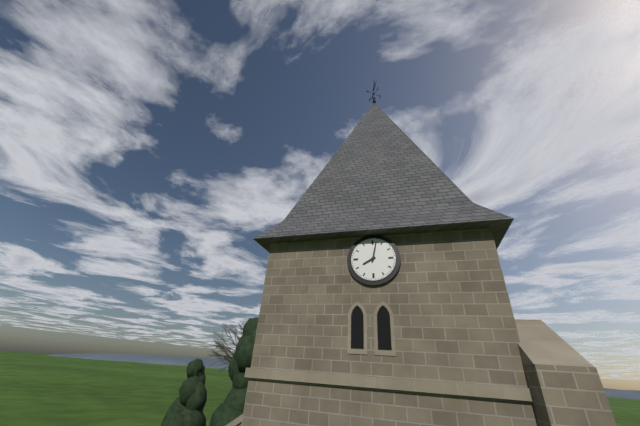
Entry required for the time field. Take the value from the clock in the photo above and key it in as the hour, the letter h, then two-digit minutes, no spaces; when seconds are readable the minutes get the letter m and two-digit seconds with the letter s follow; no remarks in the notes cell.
8h02
